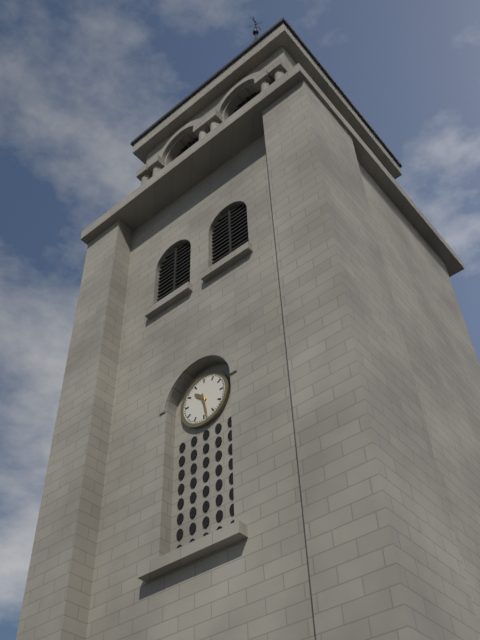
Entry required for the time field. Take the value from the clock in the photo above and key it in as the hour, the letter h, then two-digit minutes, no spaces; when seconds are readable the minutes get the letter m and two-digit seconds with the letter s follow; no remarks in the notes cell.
10h28
